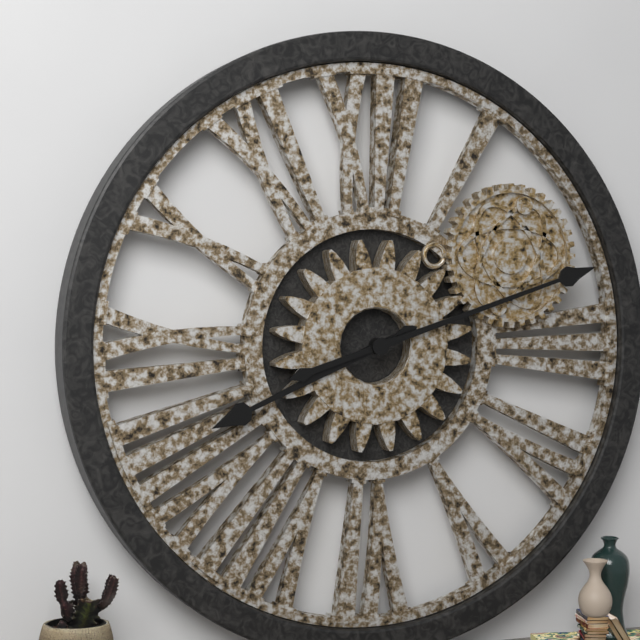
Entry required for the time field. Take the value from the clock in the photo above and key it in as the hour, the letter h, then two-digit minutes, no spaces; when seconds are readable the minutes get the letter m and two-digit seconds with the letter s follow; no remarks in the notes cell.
8h12
